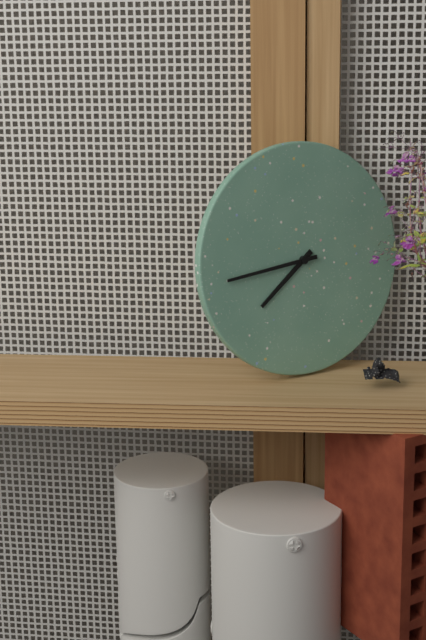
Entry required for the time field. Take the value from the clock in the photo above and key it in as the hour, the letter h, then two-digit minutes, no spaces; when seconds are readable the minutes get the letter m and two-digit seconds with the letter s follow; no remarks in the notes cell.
7h44
